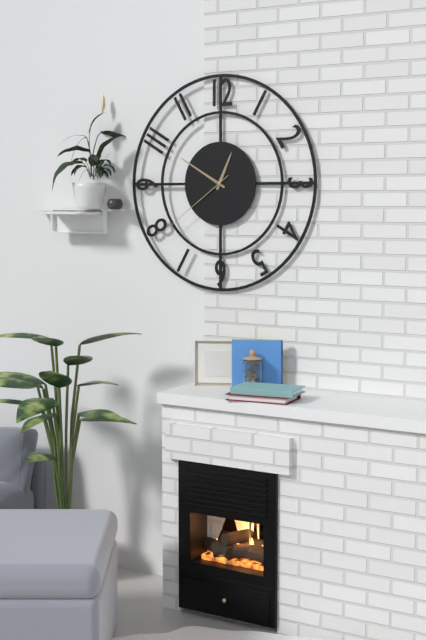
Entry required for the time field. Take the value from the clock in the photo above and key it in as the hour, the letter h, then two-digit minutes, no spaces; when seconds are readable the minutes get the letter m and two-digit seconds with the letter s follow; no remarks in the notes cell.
12h50m39s
